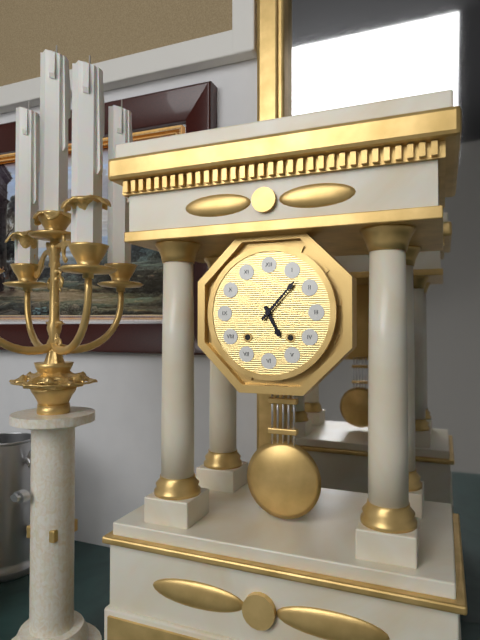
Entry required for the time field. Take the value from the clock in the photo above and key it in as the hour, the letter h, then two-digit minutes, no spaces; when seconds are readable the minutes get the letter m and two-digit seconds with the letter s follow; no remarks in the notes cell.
5h07
